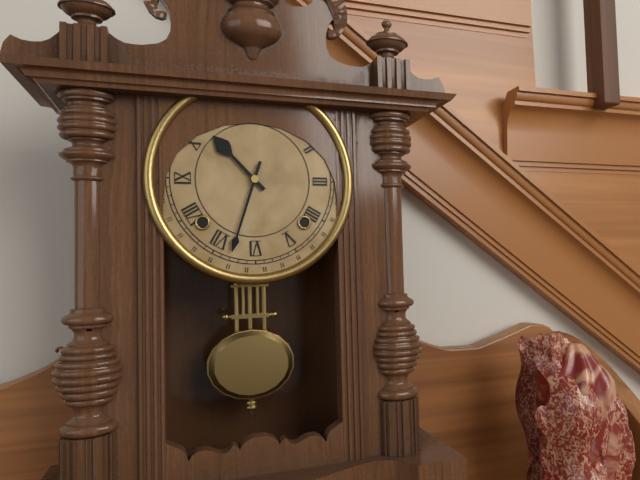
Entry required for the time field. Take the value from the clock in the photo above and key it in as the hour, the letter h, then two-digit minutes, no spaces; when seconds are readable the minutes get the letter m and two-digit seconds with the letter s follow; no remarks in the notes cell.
10h33
